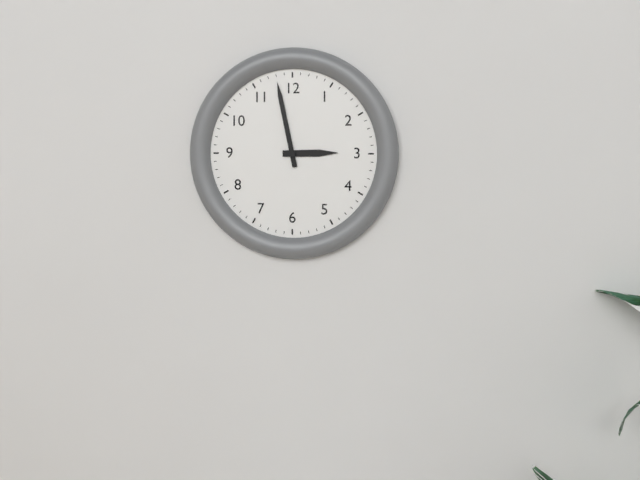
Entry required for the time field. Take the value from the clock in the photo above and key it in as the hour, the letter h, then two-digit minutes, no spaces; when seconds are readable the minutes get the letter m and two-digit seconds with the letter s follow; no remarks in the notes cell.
2h58
